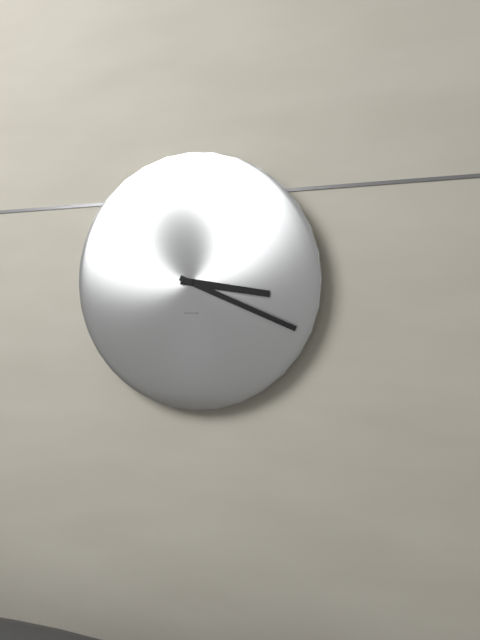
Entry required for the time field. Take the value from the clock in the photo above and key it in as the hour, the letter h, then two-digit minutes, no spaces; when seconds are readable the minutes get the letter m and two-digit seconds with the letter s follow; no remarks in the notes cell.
3h19
